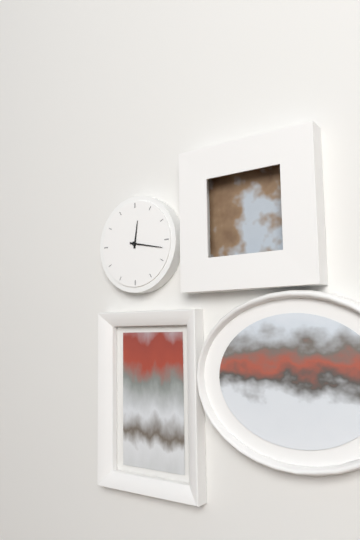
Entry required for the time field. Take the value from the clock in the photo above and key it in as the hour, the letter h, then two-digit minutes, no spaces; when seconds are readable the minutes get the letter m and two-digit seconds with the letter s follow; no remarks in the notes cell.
12h17
